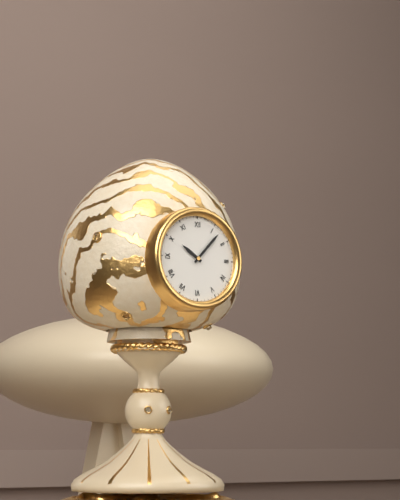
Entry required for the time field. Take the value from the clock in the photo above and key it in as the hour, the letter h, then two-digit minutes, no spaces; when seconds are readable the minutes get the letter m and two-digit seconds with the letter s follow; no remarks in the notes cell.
10h07
